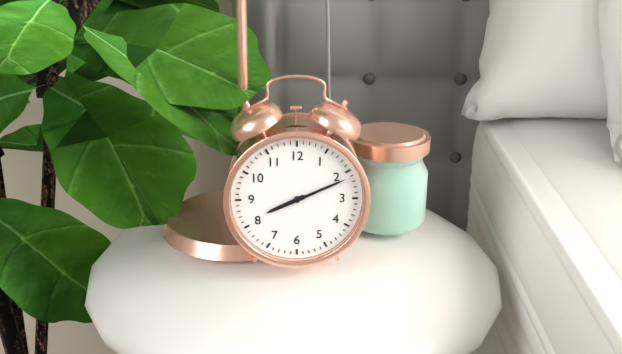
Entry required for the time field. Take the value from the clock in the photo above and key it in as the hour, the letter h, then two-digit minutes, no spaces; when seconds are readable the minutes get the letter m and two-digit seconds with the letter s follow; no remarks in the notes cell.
8h11
